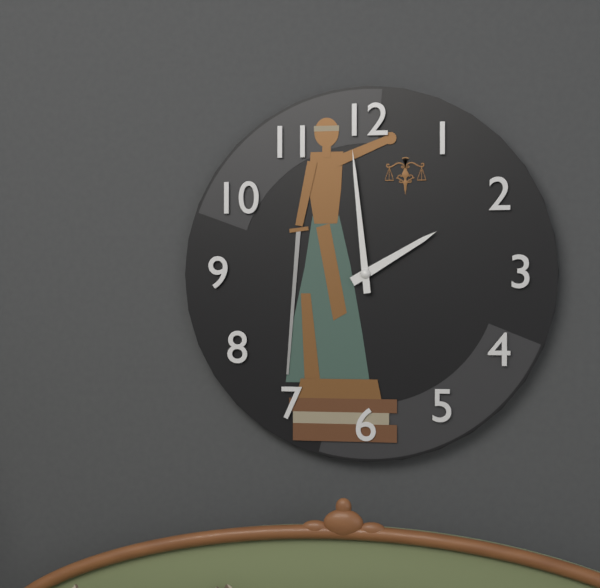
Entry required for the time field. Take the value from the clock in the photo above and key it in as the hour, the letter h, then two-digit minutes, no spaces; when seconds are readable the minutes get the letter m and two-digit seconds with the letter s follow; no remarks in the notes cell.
1h59
